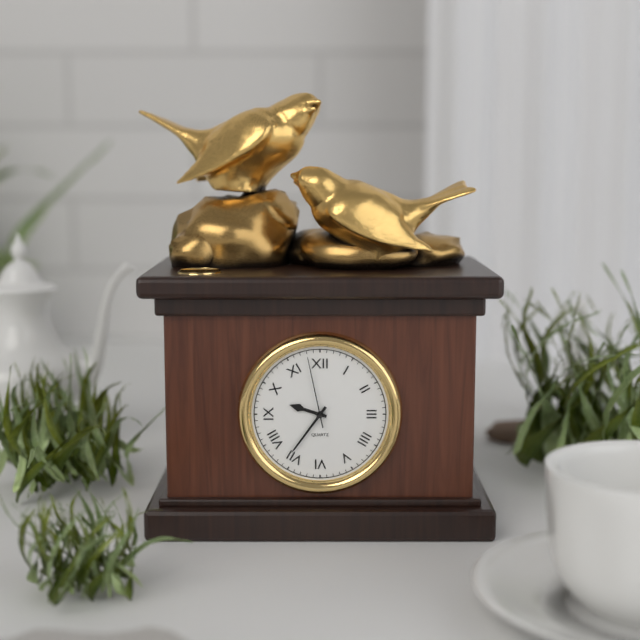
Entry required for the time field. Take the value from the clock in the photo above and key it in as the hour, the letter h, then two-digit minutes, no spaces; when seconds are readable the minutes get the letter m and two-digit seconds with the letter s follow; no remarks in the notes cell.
9h36m58s
